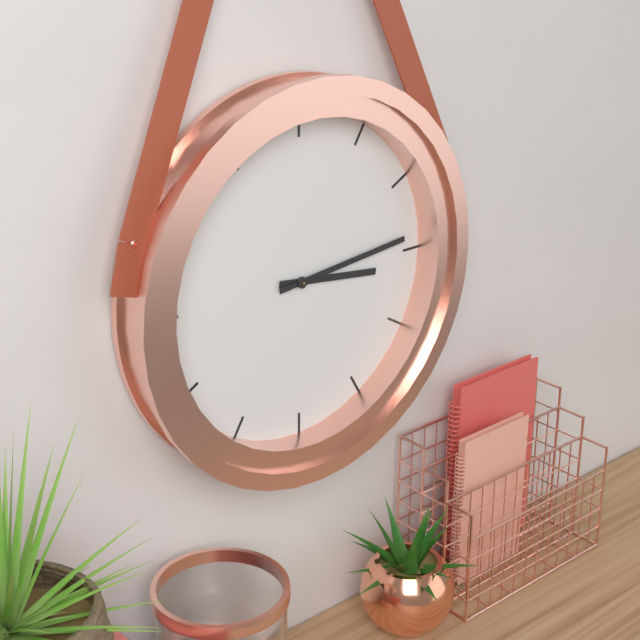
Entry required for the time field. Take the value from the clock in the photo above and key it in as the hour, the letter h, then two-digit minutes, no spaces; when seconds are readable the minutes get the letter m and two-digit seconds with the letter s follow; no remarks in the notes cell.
3h14
